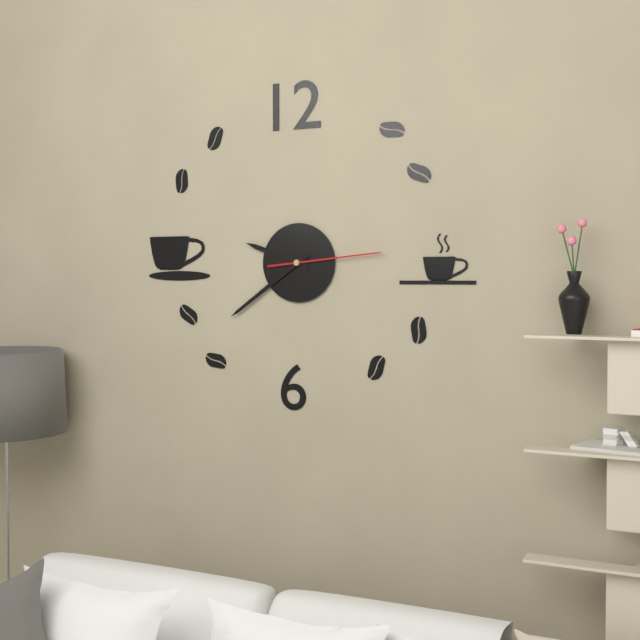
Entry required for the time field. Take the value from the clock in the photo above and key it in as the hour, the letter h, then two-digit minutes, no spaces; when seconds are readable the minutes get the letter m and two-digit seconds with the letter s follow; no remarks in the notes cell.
9h39m14s
